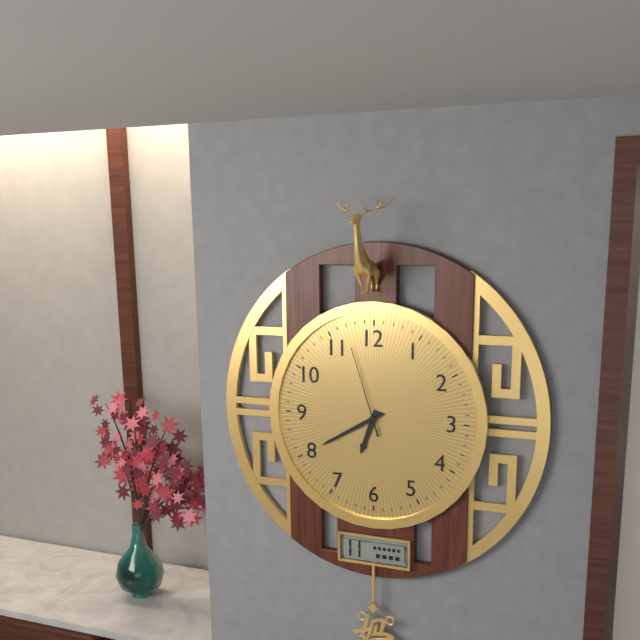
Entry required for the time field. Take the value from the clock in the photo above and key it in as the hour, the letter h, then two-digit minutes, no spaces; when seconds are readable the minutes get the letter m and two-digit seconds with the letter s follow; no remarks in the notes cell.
6h40m57s
